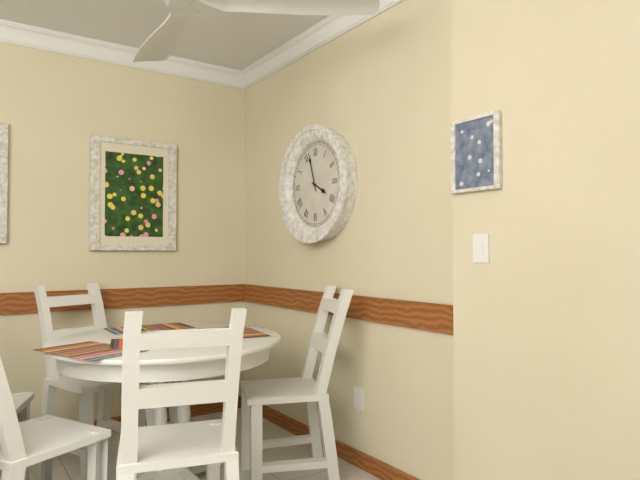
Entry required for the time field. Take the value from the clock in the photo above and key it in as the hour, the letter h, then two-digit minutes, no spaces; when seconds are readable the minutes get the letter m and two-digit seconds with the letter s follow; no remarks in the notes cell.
3h57
